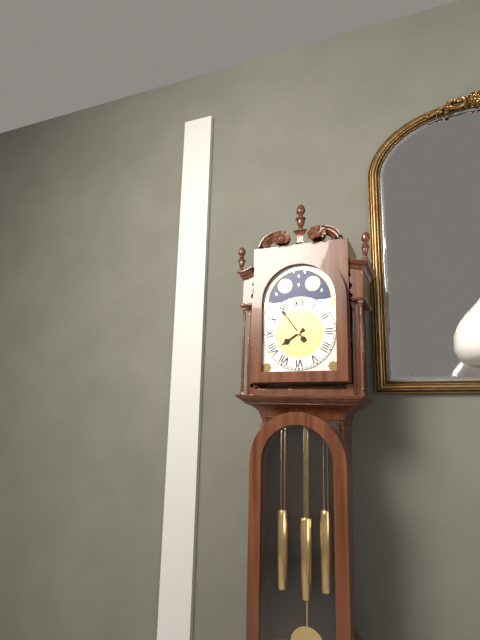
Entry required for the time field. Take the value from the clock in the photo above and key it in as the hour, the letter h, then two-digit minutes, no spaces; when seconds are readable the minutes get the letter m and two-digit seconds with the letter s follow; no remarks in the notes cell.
7h54
